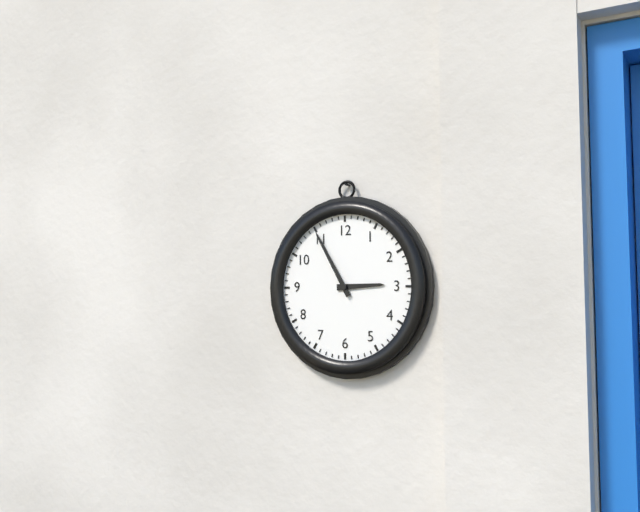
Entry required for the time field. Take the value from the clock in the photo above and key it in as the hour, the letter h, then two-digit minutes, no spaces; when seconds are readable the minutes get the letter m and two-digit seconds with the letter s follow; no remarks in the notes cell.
2h55
